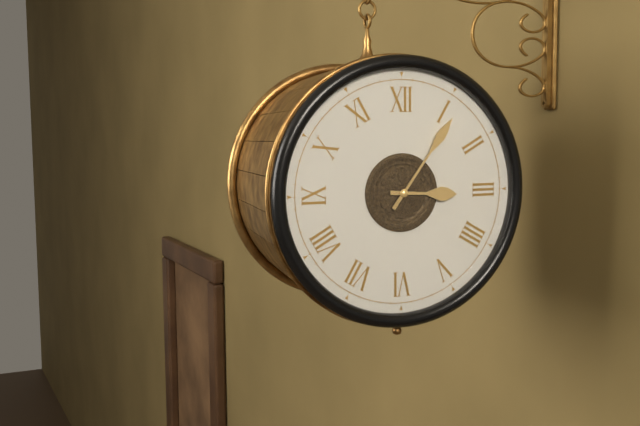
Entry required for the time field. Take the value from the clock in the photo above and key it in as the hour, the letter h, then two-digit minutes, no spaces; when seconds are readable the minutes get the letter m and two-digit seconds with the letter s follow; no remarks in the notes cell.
3h06
